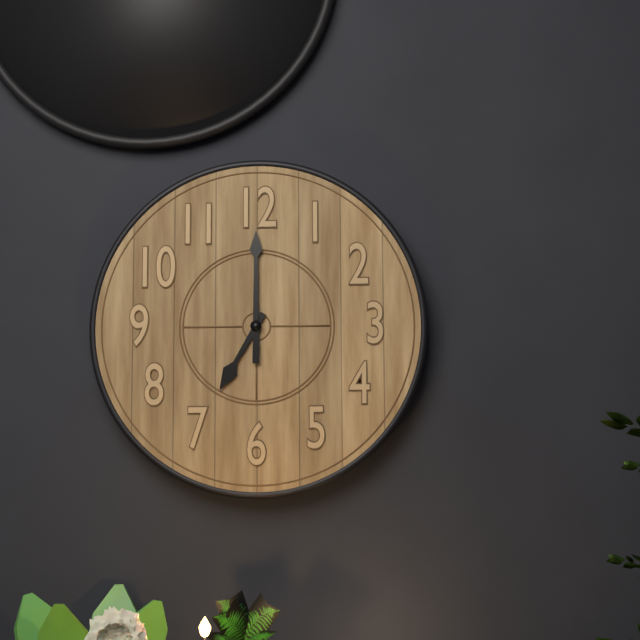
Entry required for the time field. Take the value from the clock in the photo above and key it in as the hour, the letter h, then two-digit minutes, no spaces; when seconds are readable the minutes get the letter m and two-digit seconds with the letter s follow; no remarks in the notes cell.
7h00
